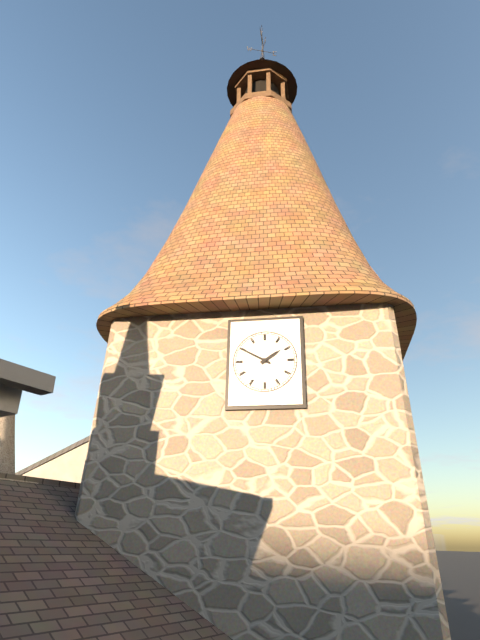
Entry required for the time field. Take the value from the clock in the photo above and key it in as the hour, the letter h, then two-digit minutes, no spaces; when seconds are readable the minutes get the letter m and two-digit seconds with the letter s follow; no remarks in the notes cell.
1h50
